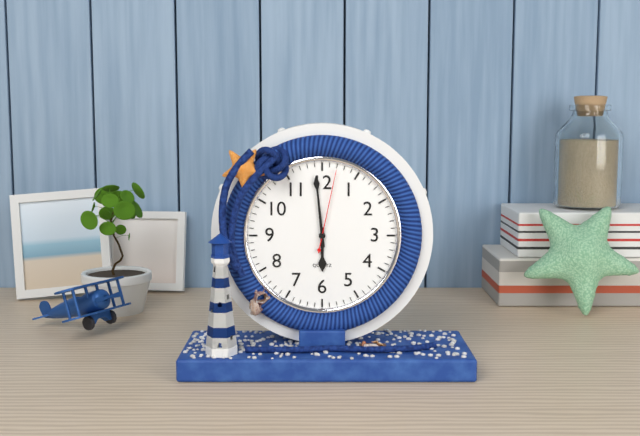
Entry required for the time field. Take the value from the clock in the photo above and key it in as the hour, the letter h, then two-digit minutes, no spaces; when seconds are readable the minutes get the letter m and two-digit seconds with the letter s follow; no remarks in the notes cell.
5h59m02s
